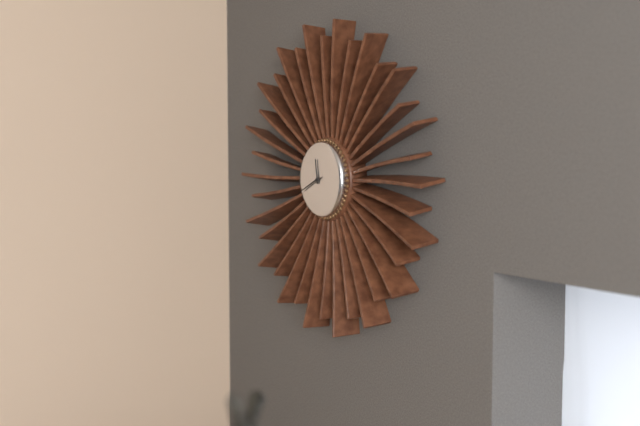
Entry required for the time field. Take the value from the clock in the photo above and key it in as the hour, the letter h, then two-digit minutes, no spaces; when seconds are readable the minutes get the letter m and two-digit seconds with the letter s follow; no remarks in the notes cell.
11h41
